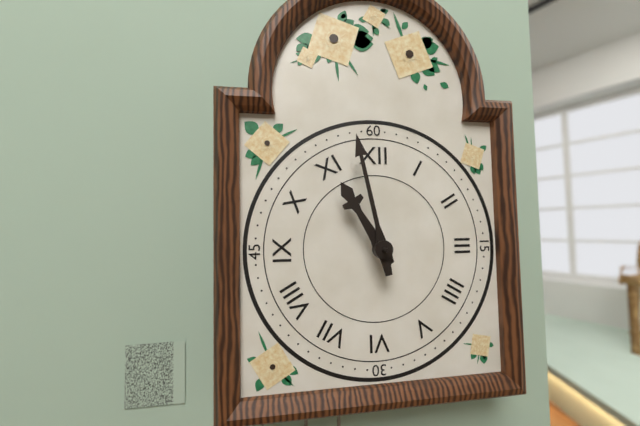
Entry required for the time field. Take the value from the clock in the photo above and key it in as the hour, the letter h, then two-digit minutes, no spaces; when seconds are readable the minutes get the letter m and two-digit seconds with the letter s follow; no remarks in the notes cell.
10h58
